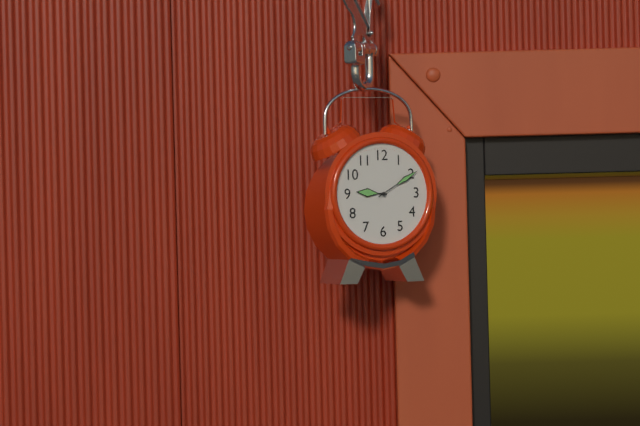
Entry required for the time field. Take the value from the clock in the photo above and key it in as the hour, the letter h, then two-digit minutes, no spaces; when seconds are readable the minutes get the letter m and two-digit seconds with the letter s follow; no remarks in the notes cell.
9h10
